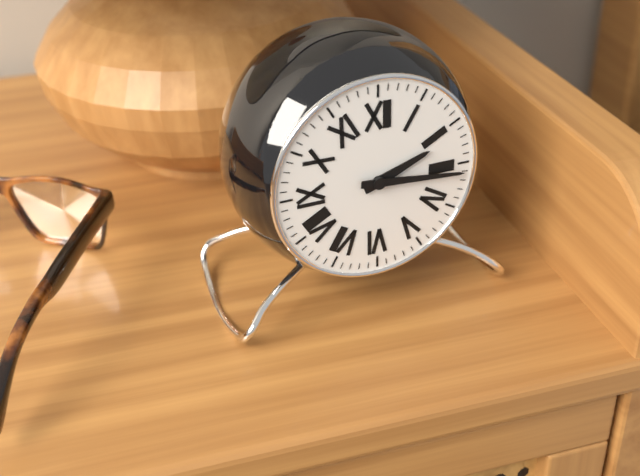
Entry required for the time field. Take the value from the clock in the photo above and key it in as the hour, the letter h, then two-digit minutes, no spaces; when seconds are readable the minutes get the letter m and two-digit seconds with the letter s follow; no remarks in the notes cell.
2h16
